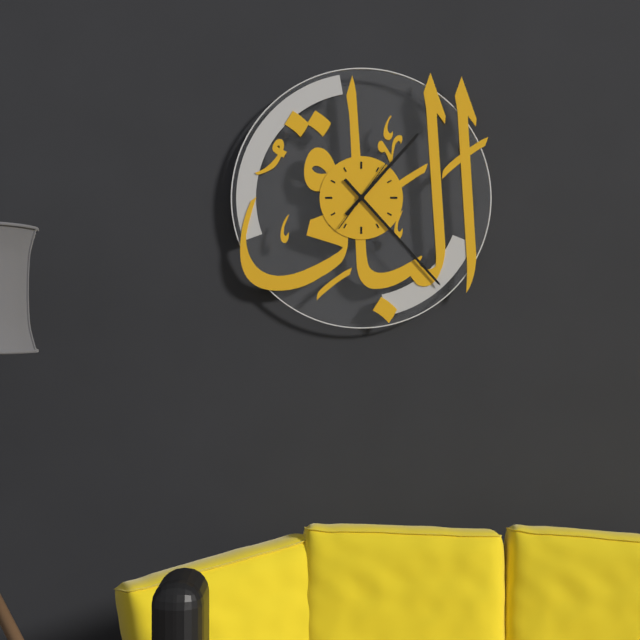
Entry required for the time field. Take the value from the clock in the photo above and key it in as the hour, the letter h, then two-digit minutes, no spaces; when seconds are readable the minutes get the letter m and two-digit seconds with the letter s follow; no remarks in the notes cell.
1h23m06s
